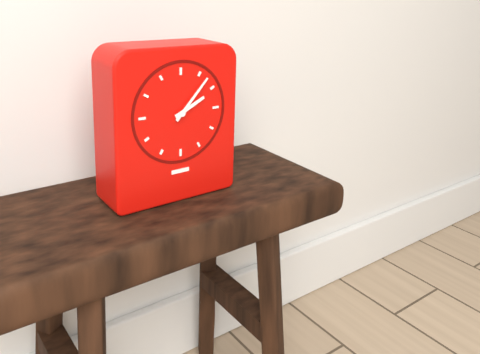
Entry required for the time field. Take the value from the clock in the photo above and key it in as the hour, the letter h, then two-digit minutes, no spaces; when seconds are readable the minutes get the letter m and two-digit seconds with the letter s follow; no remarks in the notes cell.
2h07
